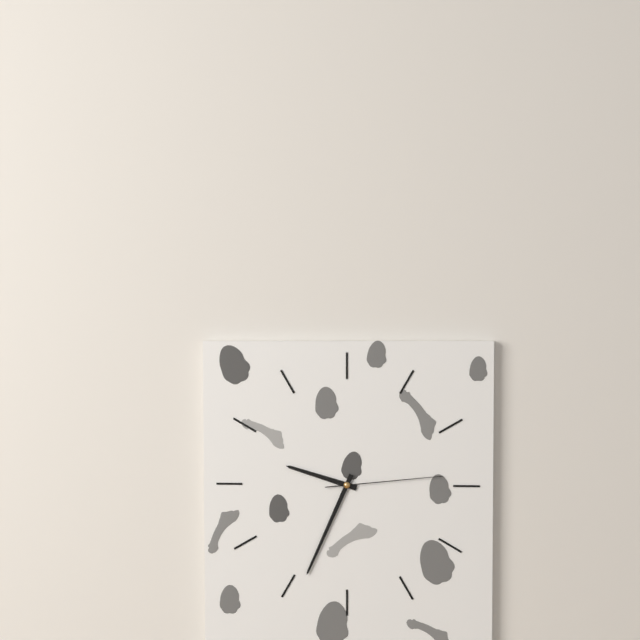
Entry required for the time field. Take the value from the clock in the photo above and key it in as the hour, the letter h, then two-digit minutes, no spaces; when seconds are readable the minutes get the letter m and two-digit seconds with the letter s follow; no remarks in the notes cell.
9h34m14s
